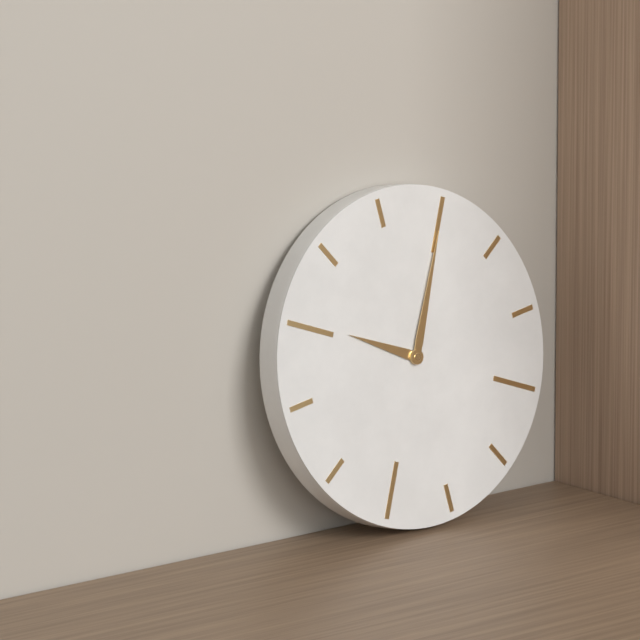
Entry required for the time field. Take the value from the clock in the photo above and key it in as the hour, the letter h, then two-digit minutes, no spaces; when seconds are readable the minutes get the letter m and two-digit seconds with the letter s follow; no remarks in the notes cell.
10h05
